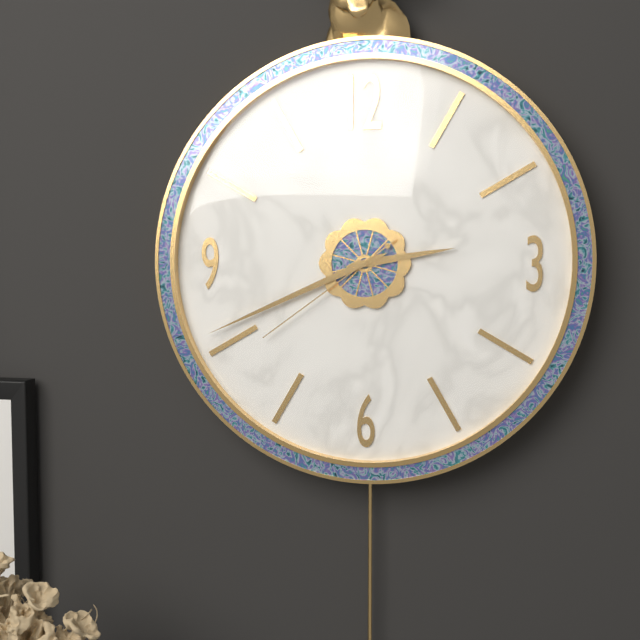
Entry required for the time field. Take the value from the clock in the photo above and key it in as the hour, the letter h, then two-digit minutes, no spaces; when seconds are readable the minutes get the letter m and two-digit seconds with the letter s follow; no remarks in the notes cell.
2h41m39s
